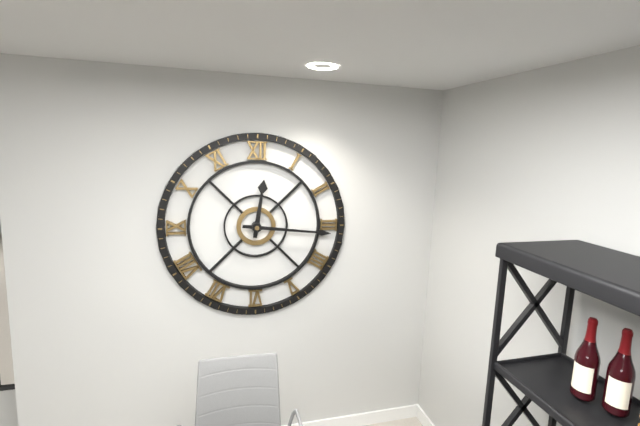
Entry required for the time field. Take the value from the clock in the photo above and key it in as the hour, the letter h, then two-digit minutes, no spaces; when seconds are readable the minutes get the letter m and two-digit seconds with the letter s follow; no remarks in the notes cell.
12h16
